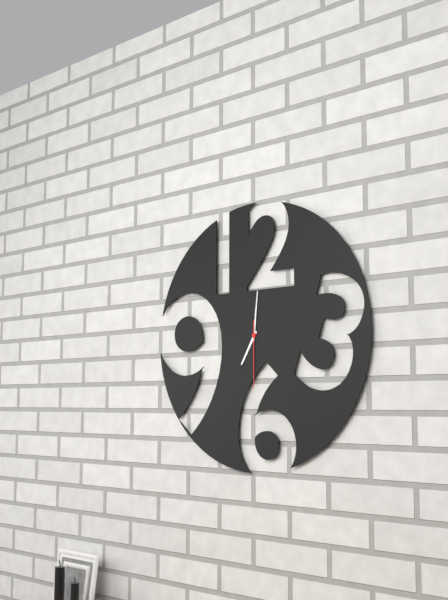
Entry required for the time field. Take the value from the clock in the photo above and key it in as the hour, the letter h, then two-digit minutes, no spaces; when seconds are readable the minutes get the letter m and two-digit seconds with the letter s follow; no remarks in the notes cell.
7h01m30s
